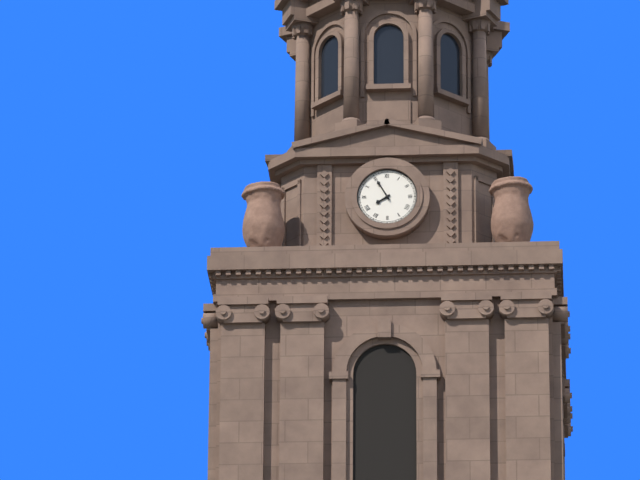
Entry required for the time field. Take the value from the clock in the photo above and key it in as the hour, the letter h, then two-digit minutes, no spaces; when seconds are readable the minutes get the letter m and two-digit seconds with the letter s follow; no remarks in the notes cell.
7h55
